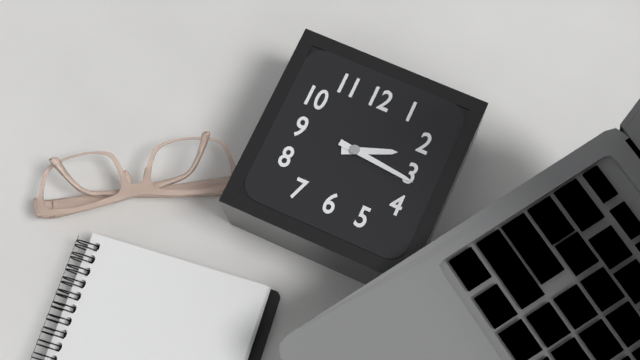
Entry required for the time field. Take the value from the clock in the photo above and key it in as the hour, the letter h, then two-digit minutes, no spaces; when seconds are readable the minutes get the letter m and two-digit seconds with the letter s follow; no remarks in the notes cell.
2h16
